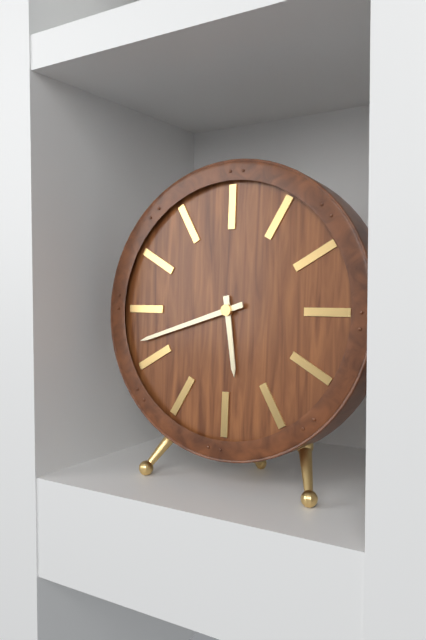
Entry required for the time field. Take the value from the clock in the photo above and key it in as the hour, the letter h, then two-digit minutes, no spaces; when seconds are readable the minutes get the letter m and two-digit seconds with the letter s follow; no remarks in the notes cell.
5h42
